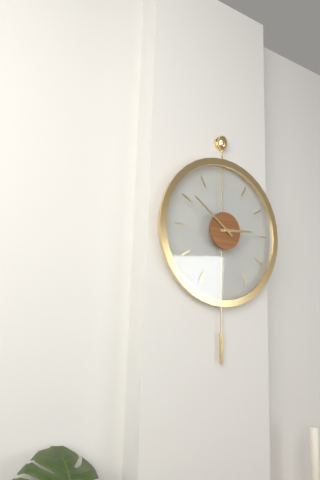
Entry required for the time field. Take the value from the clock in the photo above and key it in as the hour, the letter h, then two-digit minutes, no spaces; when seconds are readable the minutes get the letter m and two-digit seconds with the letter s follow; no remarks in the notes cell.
2h51
